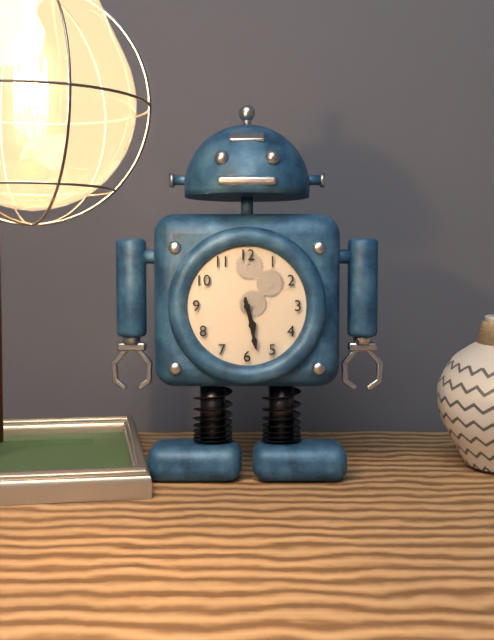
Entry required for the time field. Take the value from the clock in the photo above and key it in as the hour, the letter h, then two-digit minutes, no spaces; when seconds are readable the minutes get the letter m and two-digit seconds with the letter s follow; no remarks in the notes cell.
5h28
